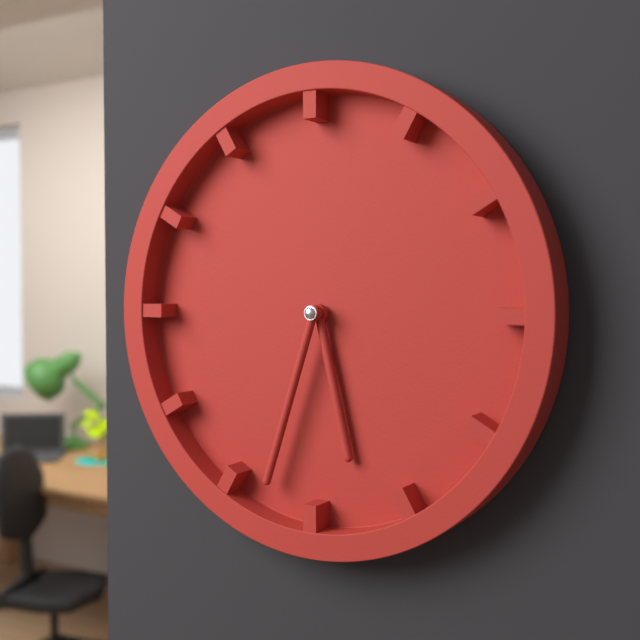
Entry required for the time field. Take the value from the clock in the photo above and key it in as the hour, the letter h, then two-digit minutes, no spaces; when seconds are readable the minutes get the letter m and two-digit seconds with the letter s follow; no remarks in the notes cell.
5h33
